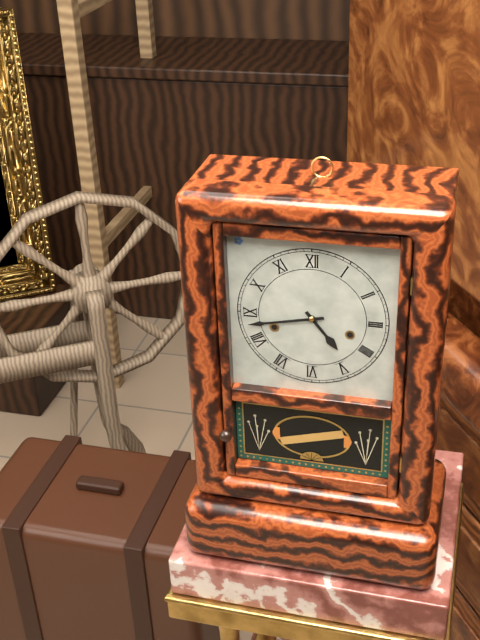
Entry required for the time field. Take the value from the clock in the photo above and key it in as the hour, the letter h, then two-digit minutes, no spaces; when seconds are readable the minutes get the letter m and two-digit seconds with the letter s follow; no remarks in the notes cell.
4h43
